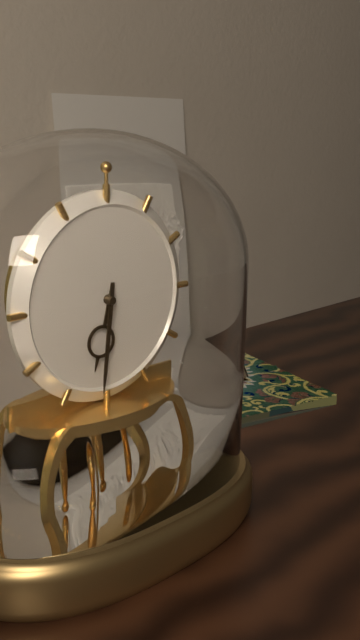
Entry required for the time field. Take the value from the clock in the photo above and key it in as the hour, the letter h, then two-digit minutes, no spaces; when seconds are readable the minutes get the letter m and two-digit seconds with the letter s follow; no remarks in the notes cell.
6h31
